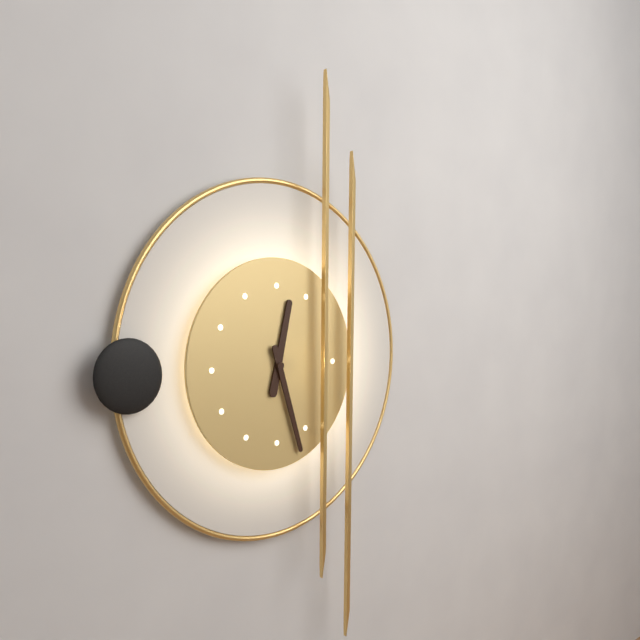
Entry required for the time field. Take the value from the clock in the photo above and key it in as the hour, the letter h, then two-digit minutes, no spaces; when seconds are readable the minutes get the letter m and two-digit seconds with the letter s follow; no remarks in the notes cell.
12h27
